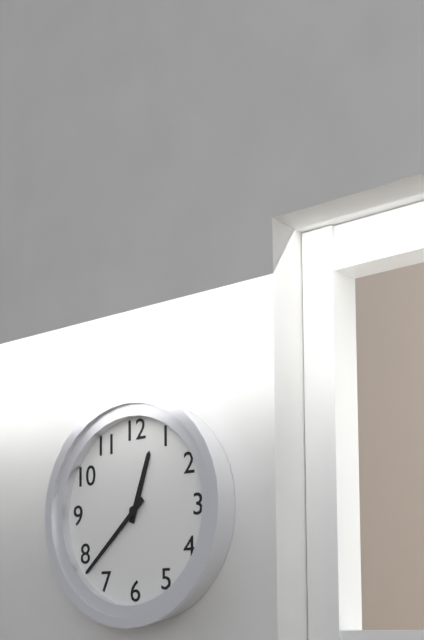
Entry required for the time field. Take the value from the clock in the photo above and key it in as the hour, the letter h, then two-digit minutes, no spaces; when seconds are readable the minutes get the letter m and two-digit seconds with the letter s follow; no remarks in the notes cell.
12h38
